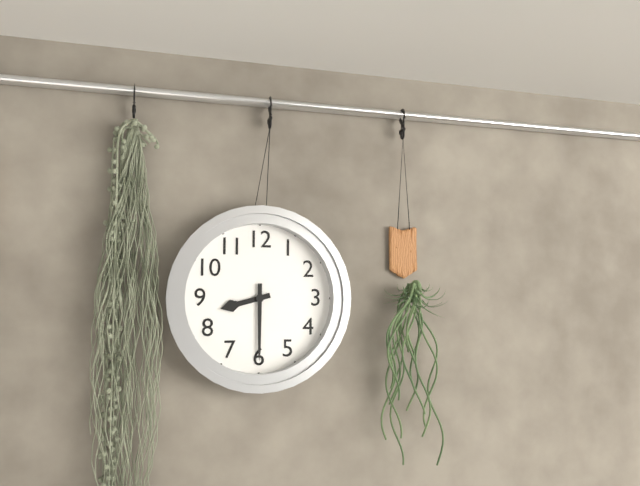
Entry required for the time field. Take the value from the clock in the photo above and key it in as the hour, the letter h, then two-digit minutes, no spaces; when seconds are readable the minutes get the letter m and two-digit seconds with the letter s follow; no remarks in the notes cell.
8h30
